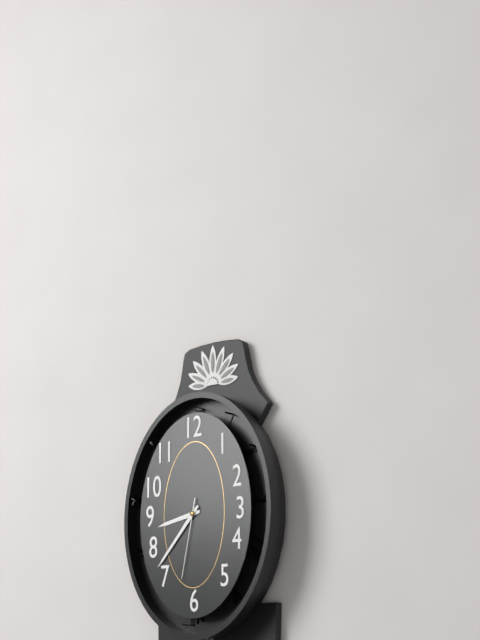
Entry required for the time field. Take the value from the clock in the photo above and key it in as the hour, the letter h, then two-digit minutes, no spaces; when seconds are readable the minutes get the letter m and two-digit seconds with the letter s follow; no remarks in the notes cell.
8h37m32s
